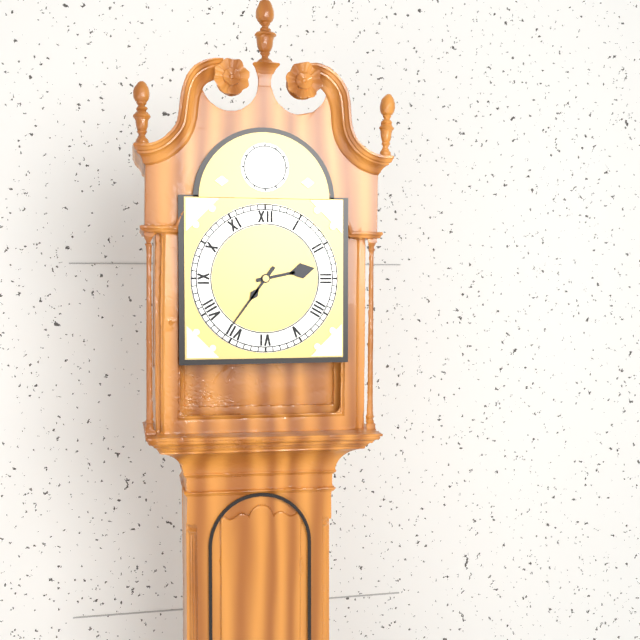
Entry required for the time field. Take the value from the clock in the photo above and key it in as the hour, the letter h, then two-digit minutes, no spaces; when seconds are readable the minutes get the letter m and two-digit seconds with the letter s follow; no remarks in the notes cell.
2h36
